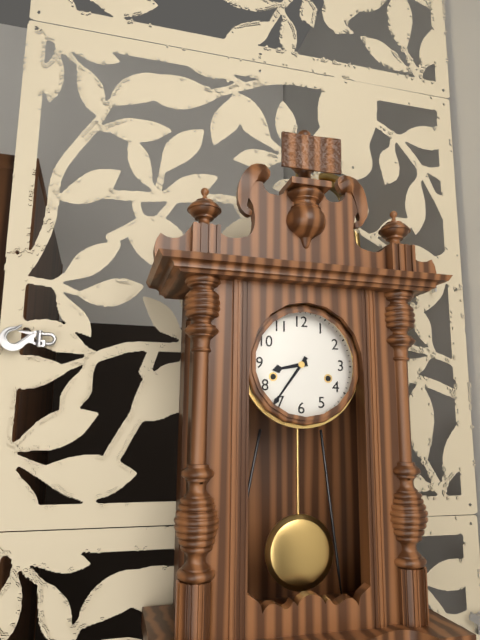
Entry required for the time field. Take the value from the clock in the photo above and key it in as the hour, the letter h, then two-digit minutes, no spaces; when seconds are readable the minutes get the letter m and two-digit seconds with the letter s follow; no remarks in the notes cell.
8h36
